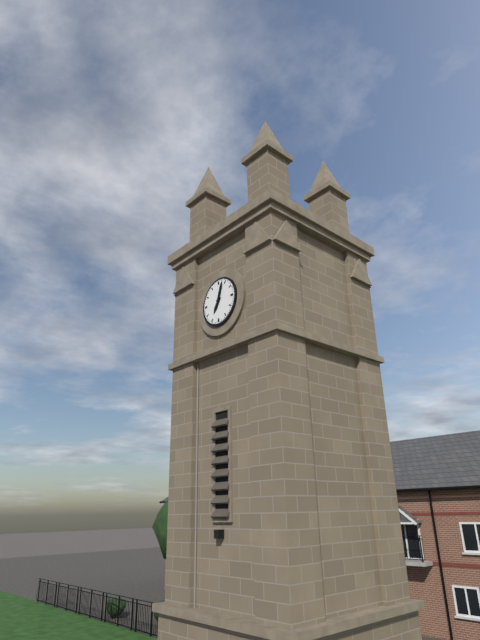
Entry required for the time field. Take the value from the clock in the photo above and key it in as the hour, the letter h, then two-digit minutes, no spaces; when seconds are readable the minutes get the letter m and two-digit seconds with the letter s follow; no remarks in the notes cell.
7h03
